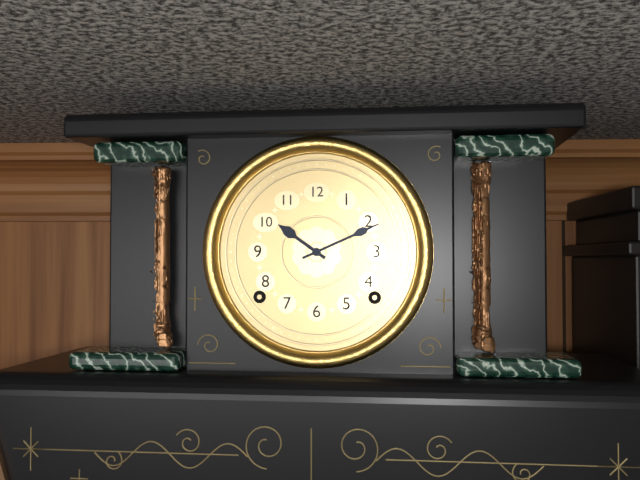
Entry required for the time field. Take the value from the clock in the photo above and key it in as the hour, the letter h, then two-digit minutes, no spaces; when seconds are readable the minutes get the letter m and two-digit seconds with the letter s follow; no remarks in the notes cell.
10h11
